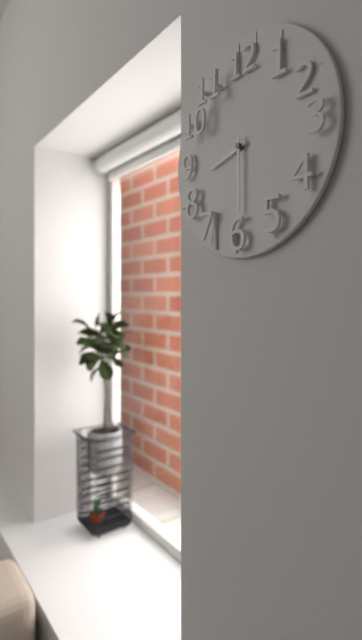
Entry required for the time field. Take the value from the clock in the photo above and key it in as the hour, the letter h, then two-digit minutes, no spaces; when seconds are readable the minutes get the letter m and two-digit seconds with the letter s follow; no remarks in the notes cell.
8h30
